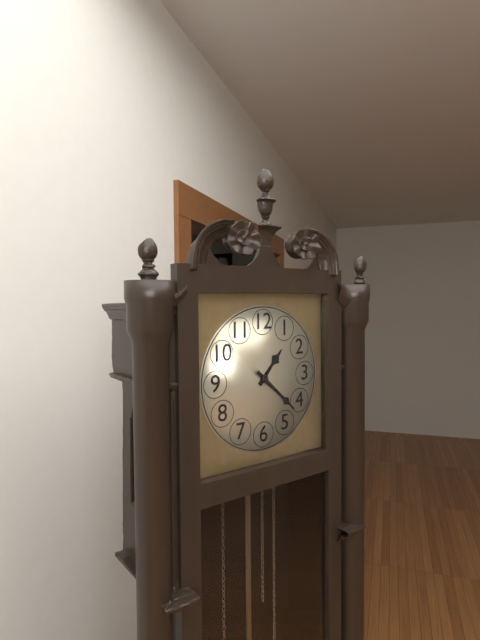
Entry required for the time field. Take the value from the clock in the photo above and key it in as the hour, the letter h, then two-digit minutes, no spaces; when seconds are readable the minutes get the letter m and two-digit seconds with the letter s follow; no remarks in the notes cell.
1h22
